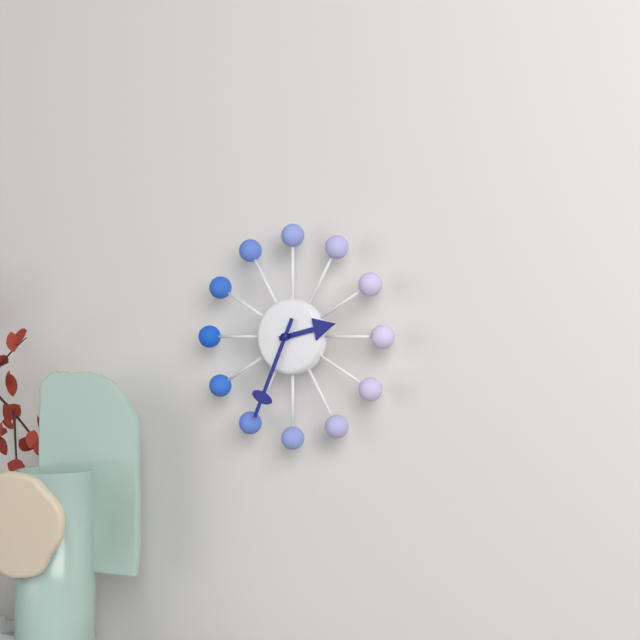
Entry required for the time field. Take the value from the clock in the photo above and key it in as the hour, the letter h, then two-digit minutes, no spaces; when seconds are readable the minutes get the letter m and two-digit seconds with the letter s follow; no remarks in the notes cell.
2h34
